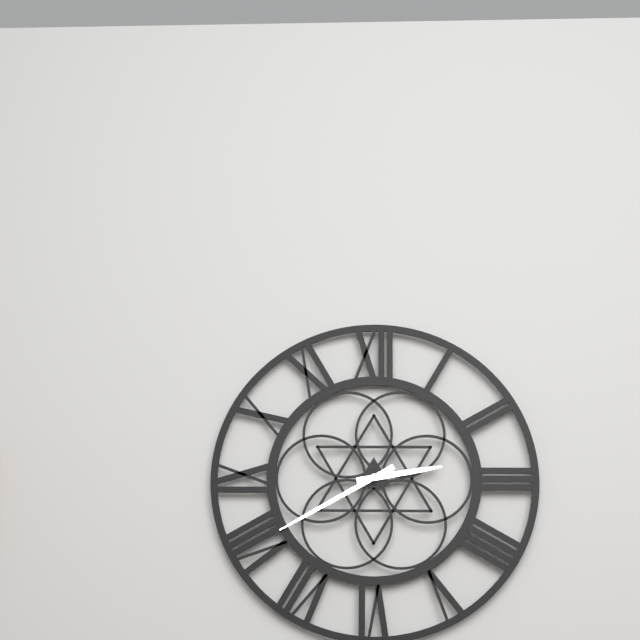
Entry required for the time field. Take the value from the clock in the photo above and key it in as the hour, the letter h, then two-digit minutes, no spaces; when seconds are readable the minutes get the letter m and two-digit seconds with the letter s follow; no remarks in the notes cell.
2h40
